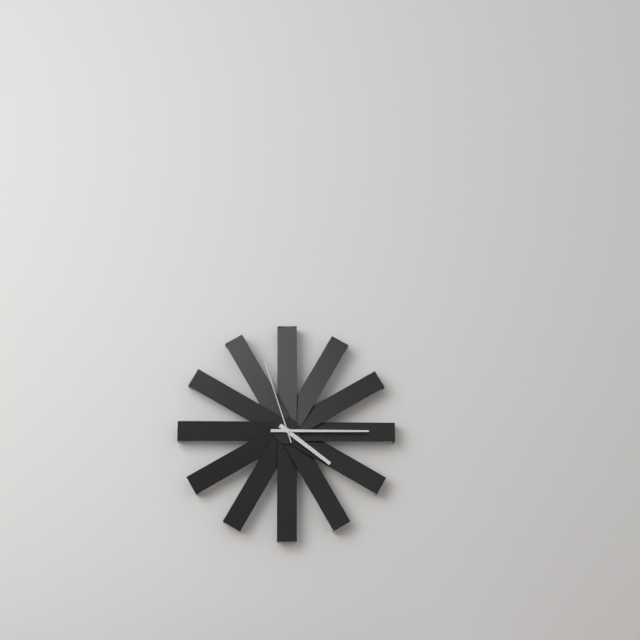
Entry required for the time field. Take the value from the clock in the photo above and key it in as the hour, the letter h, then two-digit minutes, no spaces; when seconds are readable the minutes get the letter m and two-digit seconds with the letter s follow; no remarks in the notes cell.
4h15m57s
